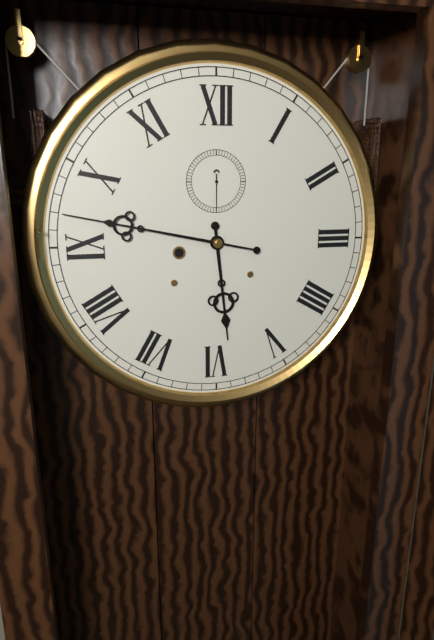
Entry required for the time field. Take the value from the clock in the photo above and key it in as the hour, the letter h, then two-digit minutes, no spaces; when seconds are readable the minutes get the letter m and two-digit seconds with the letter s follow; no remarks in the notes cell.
5h47
